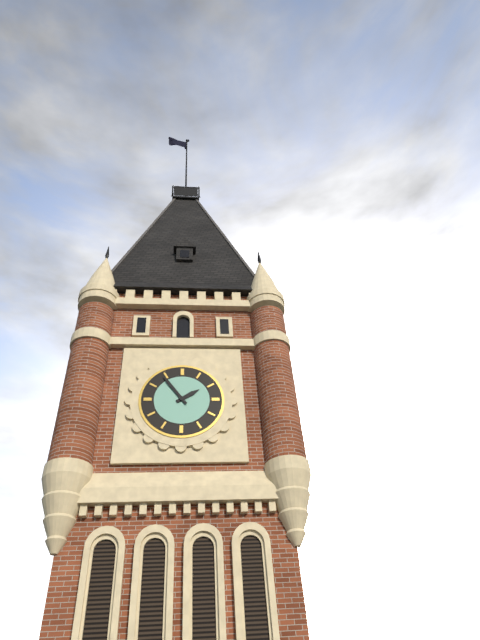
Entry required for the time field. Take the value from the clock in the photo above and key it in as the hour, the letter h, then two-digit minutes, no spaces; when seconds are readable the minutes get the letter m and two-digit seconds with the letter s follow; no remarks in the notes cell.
1h54
